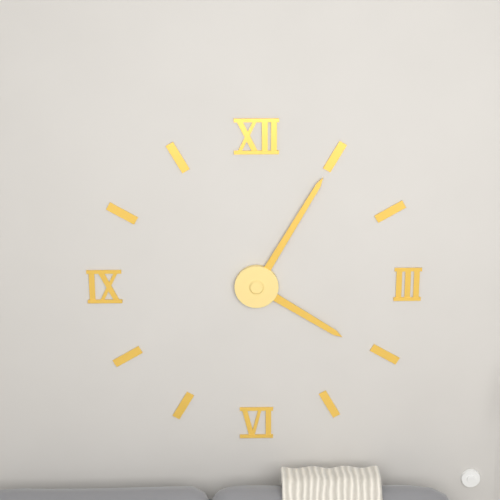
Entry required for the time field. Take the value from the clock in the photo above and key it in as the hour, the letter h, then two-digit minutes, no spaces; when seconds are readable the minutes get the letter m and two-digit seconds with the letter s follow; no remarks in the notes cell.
4h05
